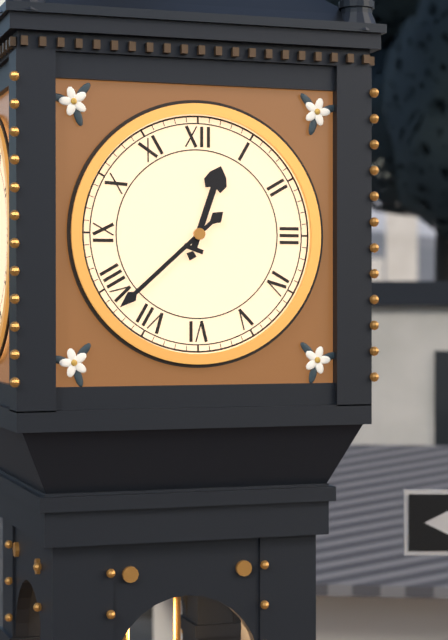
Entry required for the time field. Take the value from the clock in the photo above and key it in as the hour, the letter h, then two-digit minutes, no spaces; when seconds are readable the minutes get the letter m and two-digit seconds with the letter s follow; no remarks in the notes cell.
12h38
